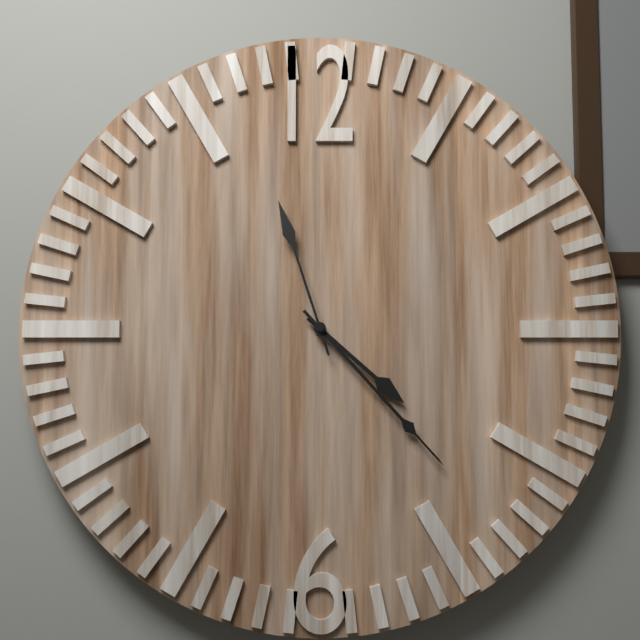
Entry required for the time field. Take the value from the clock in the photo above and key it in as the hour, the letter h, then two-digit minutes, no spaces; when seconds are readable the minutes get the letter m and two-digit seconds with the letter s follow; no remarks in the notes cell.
4h23m57s
